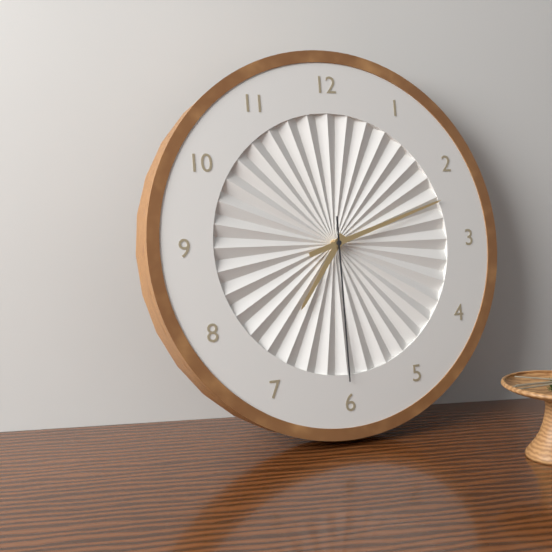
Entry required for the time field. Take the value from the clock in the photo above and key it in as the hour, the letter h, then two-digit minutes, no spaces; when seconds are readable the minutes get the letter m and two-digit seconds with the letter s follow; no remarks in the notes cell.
7h12m30s
